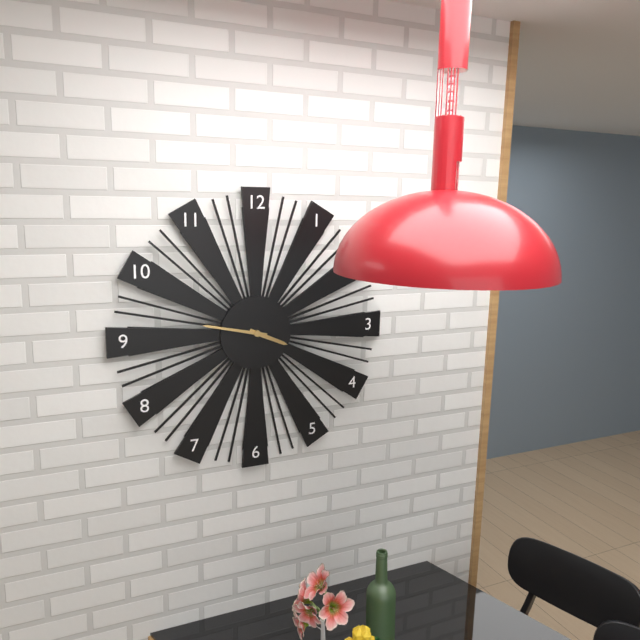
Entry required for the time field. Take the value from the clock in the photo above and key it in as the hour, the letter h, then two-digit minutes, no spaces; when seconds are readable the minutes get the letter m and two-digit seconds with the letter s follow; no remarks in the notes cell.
3h47
